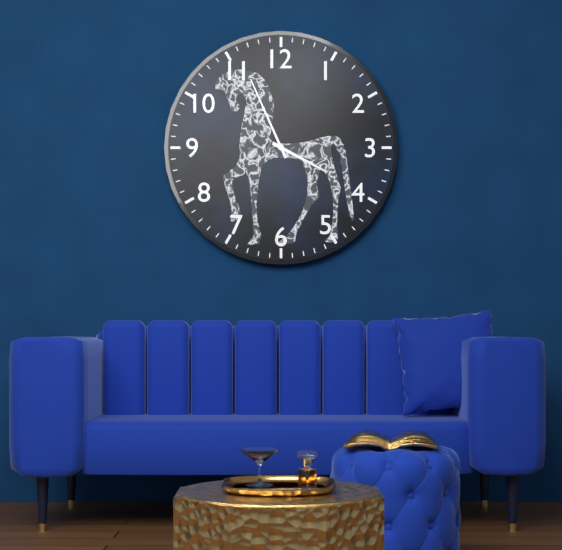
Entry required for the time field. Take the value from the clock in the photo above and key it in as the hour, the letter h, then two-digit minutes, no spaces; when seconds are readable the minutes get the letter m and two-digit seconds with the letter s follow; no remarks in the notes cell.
3h56
